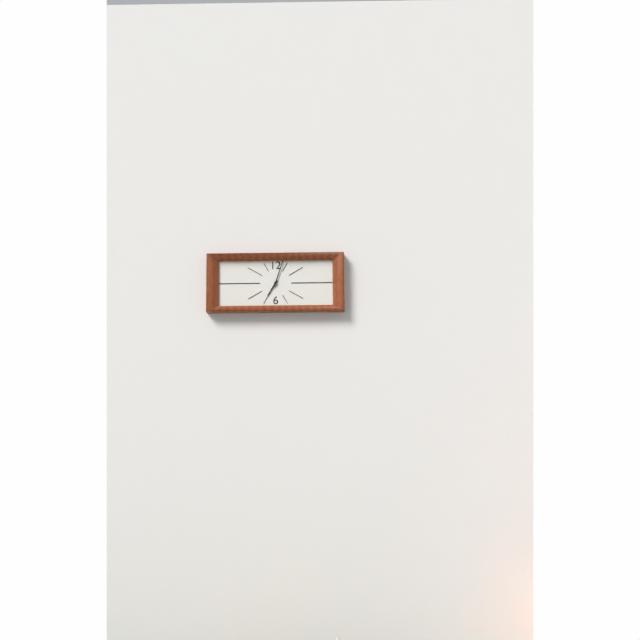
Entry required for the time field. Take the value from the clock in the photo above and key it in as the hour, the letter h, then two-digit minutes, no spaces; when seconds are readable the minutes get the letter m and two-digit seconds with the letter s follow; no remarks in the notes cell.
7h03
